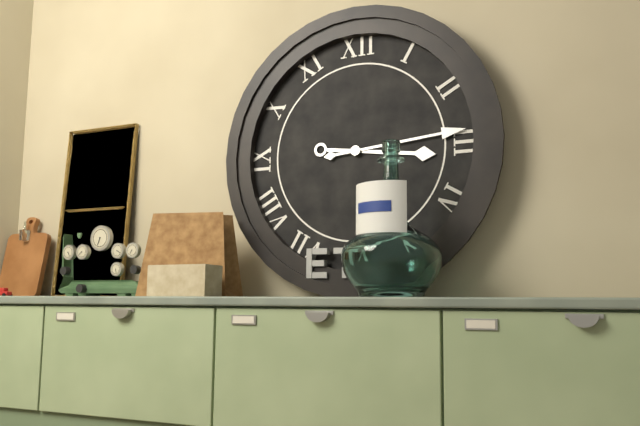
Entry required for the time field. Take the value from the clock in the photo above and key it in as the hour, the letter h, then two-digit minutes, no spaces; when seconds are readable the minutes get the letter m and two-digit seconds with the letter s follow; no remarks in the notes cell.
3h14
